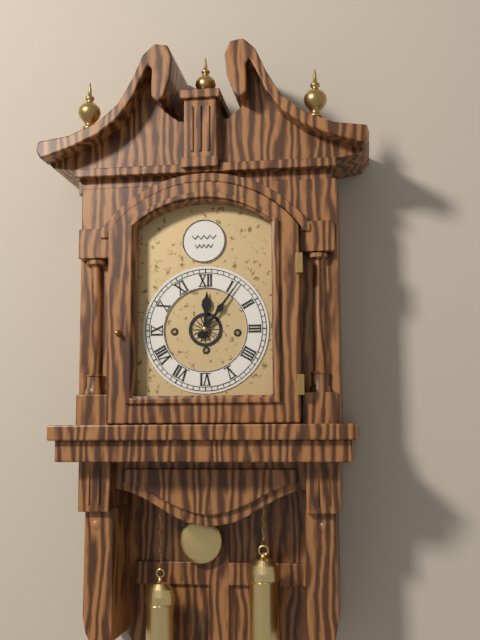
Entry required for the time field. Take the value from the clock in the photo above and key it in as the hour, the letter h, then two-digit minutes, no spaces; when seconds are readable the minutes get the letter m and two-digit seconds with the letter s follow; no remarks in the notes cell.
12h06
